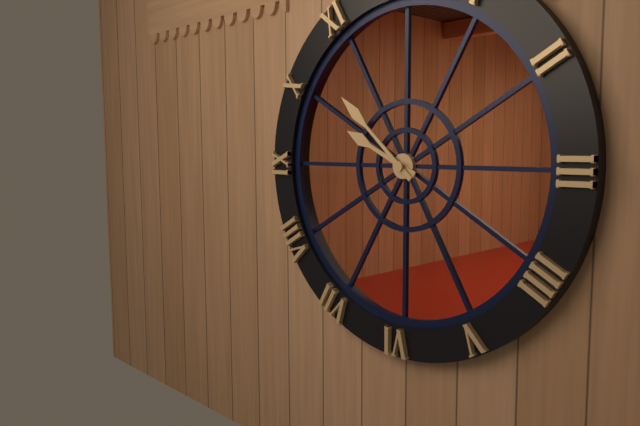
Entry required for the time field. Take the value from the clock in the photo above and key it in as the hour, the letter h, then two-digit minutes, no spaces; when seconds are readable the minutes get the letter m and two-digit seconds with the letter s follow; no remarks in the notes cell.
9h52
